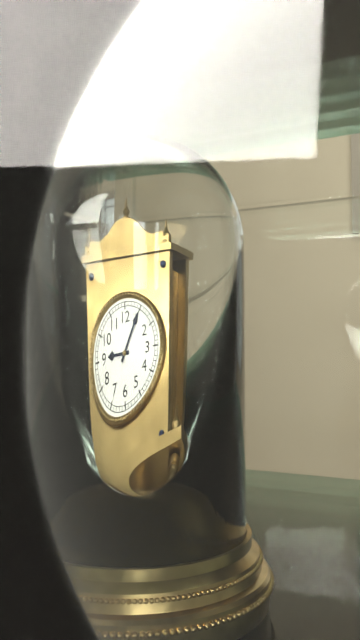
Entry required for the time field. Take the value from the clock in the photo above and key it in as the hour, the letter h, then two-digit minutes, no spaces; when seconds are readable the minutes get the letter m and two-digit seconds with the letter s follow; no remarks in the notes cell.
9h05
